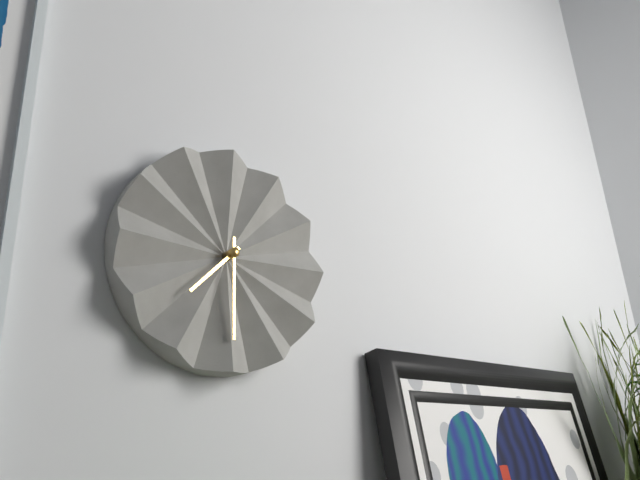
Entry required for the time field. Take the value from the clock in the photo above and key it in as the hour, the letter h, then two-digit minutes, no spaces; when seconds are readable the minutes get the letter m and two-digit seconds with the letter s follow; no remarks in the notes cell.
7h30
